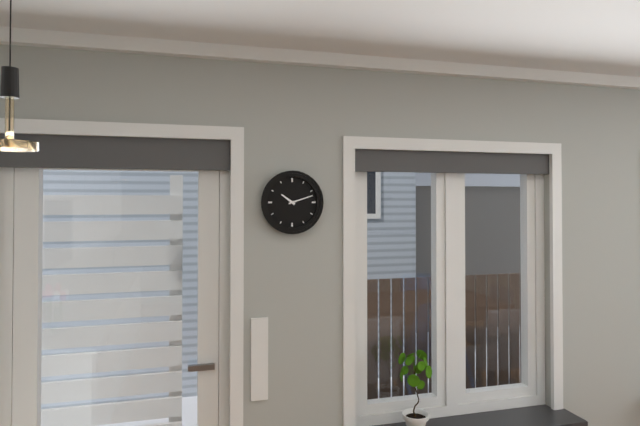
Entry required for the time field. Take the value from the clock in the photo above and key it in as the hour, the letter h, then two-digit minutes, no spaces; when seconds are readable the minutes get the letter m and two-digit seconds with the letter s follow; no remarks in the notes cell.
10h12
